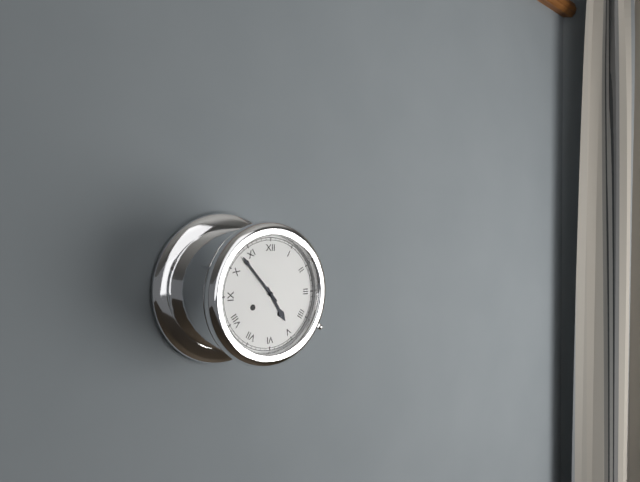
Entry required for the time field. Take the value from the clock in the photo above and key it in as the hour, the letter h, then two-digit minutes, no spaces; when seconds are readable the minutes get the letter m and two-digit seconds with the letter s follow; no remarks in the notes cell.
4h53
